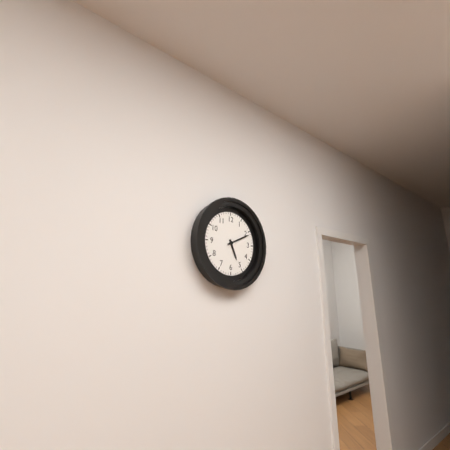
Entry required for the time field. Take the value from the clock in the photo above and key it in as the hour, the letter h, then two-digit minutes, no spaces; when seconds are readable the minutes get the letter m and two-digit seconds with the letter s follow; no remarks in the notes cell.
5h11
